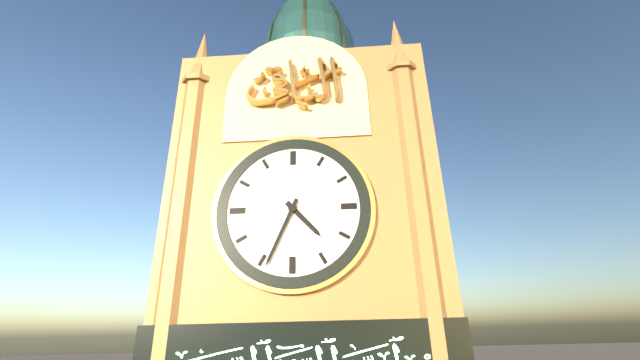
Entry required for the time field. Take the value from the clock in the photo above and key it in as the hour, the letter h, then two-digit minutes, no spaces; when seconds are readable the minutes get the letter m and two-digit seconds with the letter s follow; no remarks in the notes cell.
4h34
